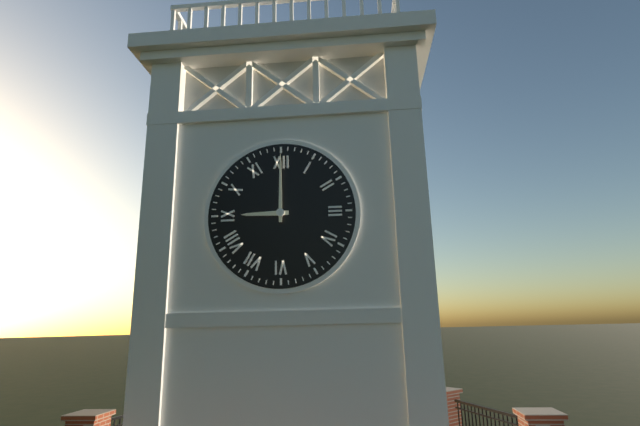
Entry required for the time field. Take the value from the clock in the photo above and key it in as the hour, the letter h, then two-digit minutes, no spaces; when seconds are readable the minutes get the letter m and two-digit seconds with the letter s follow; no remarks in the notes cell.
9h00
